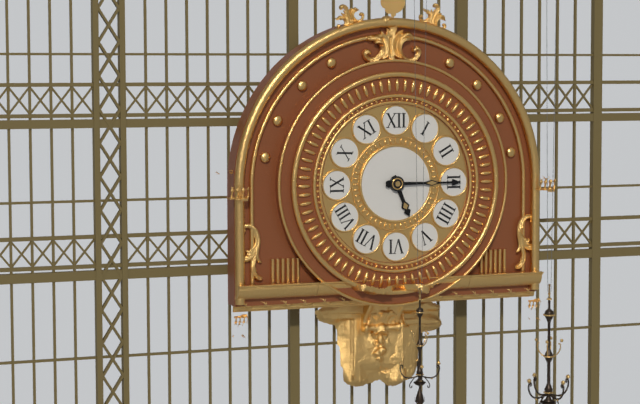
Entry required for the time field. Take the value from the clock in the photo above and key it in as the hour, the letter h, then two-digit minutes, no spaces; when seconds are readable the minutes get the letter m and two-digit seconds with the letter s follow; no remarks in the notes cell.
5h15
